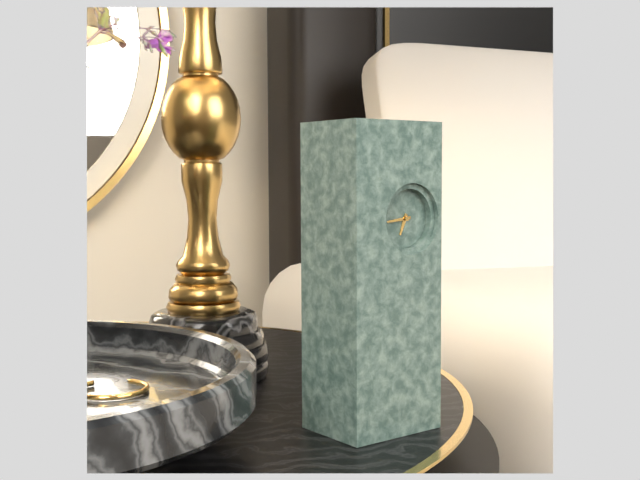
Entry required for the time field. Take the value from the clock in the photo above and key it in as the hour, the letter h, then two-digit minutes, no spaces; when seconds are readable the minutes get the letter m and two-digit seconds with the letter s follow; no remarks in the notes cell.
6h44
